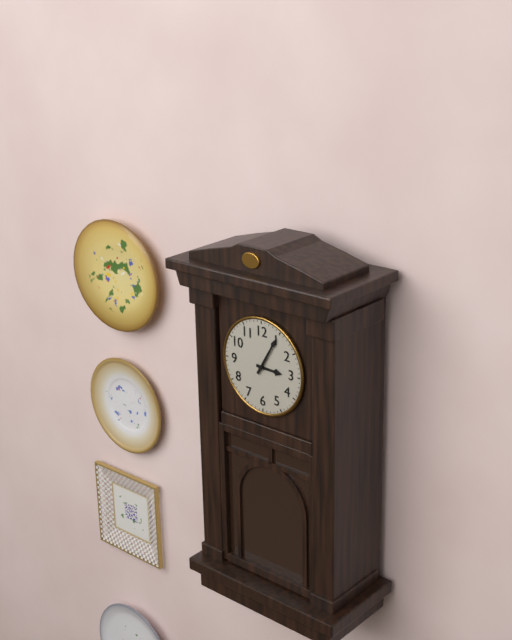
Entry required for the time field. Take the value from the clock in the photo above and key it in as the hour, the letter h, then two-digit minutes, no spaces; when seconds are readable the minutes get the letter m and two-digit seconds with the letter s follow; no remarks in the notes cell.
3h05
